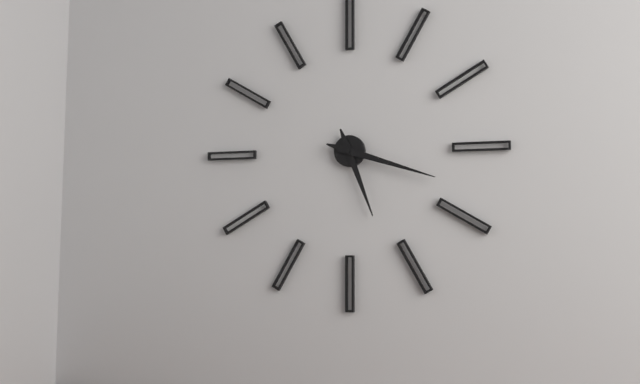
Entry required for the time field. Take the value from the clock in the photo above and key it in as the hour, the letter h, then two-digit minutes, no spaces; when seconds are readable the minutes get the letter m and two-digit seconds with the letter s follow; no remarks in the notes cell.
5h18
